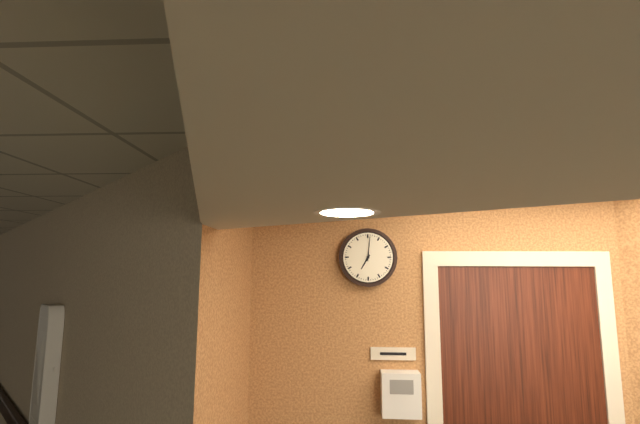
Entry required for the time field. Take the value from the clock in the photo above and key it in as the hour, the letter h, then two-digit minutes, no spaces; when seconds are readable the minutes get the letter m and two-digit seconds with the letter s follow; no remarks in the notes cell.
7h01
